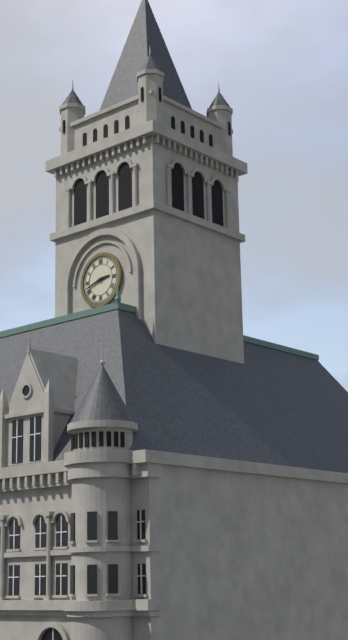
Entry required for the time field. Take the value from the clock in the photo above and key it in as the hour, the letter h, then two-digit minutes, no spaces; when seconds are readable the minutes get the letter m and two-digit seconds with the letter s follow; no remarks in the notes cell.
2h42
